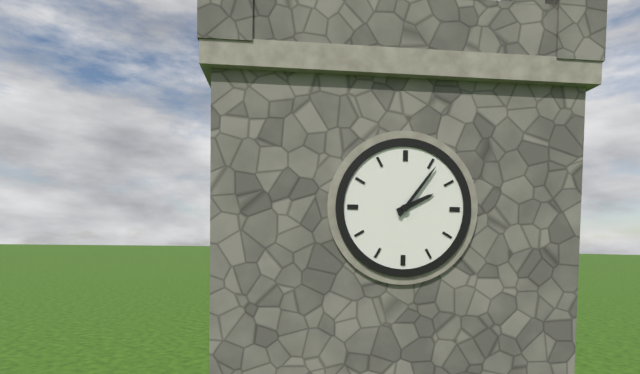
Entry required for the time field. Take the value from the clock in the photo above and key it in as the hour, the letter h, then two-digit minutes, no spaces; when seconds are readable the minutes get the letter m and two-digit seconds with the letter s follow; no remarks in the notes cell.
2h06
